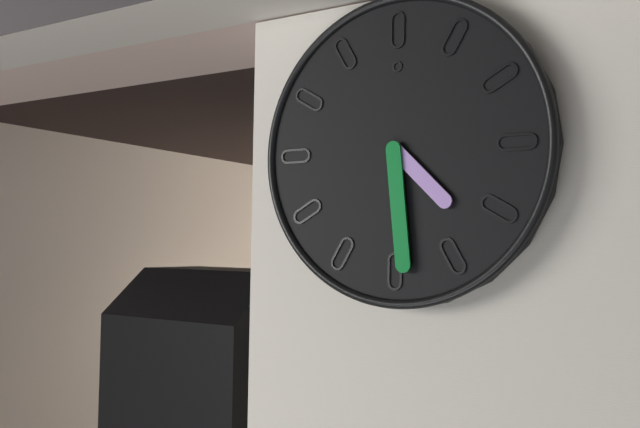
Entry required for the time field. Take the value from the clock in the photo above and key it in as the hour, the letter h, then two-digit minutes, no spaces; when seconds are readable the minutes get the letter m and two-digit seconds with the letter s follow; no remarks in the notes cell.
4h29
